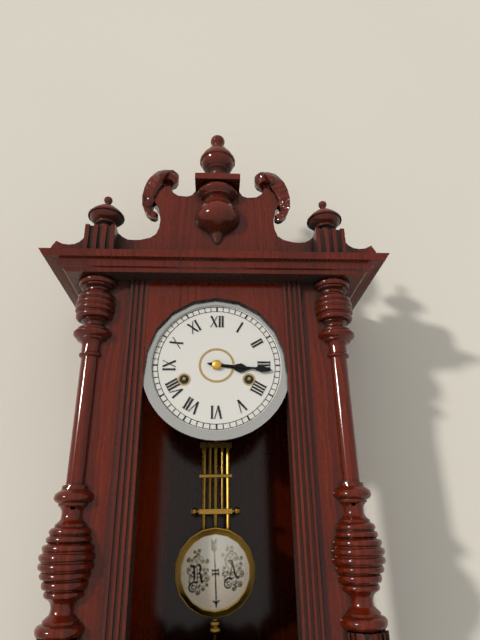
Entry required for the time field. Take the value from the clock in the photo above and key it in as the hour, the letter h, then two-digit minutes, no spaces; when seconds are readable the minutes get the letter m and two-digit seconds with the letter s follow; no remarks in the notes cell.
3h16
